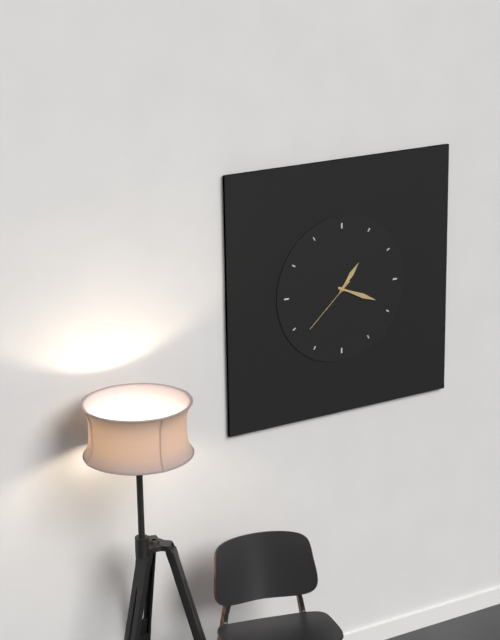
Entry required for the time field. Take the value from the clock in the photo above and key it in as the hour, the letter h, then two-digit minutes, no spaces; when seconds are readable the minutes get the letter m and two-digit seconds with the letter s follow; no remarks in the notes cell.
1h19m38s
